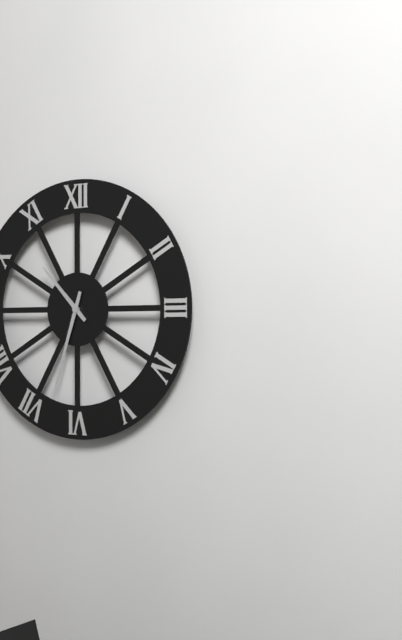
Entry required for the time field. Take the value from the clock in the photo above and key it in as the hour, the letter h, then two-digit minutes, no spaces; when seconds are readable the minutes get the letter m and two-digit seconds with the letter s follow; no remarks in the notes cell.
10h33
